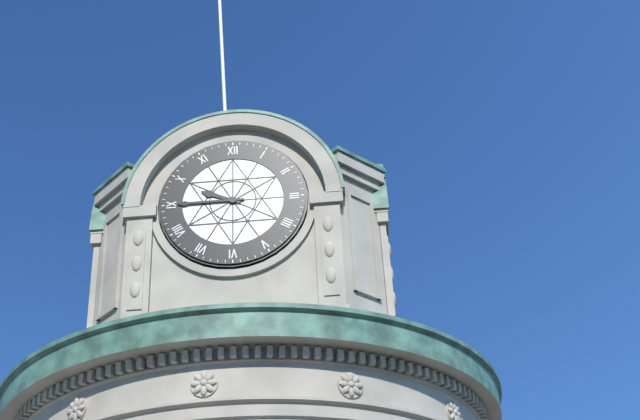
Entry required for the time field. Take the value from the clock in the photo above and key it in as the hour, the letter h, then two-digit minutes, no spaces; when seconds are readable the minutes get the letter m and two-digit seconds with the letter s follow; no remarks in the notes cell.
9h45
